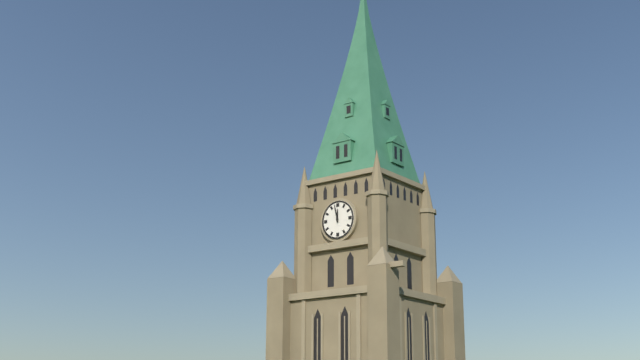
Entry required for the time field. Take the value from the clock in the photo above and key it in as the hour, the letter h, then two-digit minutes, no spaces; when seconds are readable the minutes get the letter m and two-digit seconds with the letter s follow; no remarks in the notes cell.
11h58
